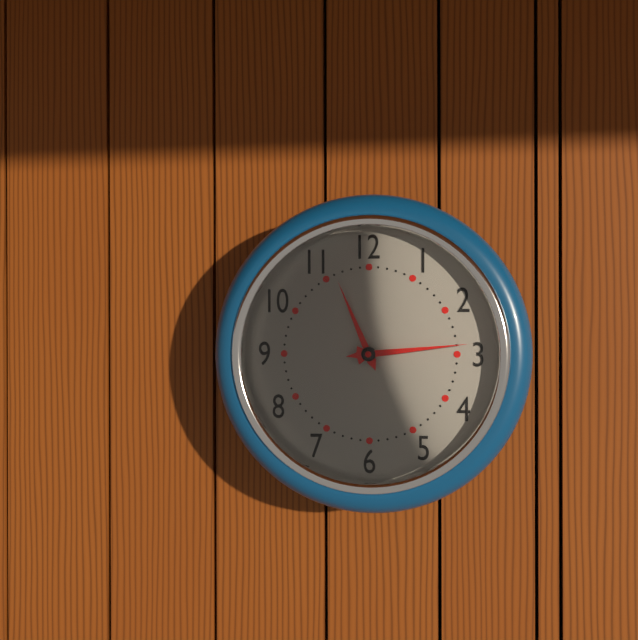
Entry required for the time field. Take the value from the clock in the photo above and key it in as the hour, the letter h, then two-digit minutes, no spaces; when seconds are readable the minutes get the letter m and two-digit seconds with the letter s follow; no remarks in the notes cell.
11h14
